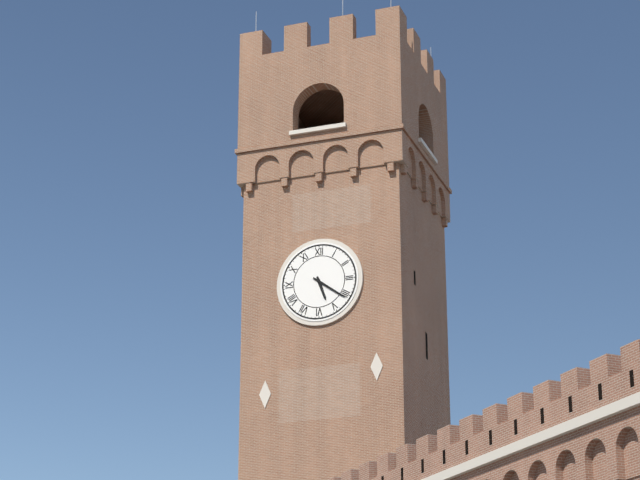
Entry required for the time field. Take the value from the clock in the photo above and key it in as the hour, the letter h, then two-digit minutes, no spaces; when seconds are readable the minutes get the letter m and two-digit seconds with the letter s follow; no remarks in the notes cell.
5h21
